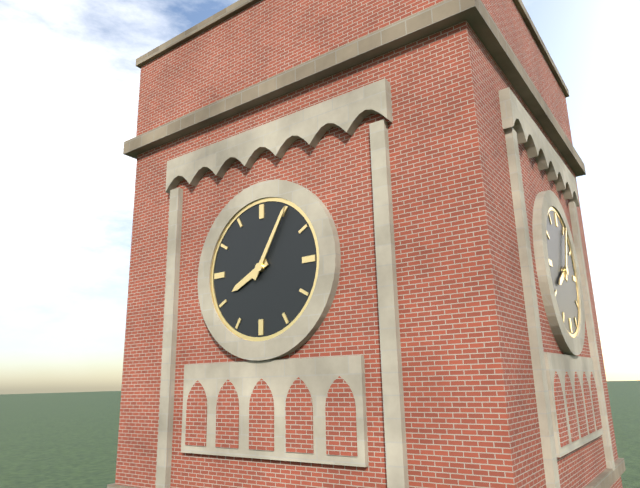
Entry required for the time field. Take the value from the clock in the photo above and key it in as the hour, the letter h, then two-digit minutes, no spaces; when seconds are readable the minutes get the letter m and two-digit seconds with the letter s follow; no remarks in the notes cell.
8h05
